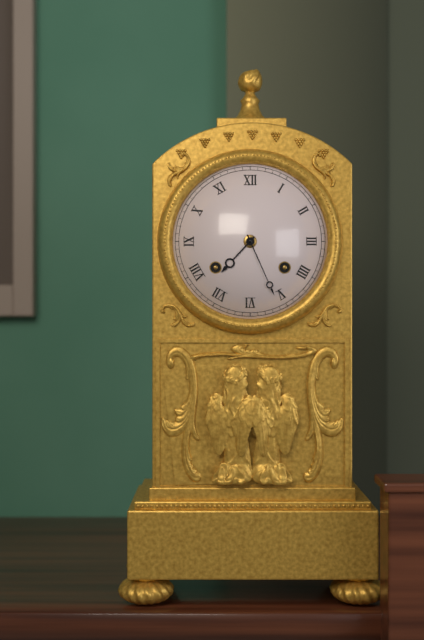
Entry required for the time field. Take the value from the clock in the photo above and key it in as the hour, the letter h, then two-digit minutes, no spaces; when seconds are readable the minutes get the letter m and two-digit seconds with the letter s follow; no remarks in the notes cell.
7h26
